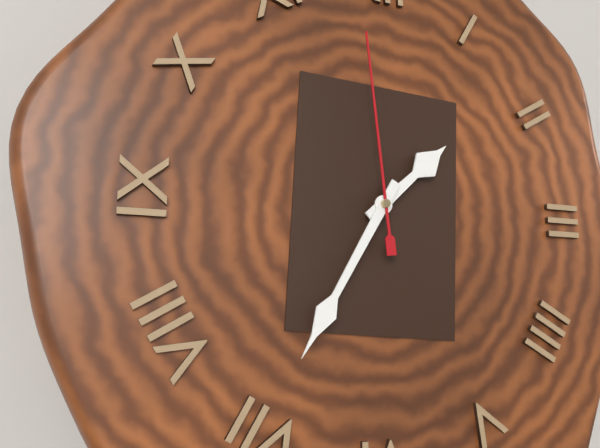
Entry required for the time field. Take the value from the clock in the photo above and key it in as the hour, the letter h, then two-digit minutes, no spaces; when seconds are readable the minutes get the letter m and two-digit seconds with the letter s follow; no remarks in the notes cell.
1h35m59s
